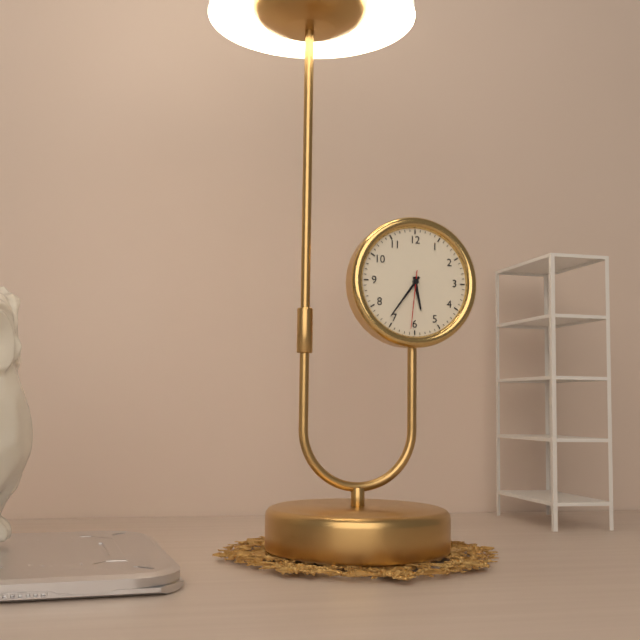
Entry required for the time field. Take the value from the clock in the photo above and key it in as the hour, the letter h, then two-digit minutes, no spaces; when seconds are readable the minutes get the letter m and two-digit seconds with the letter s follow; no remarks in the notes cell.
5h36m31s
